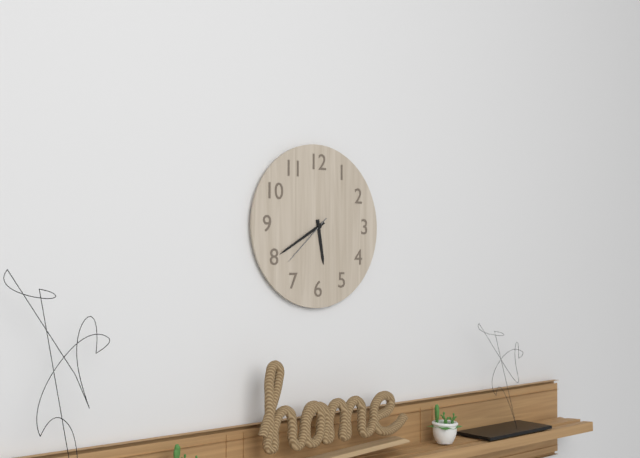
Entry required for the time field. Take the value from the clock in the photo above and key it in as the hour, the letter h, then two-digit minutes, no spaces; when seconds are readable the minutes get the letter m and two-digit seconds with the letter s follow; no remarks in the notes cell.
5h40m38s
